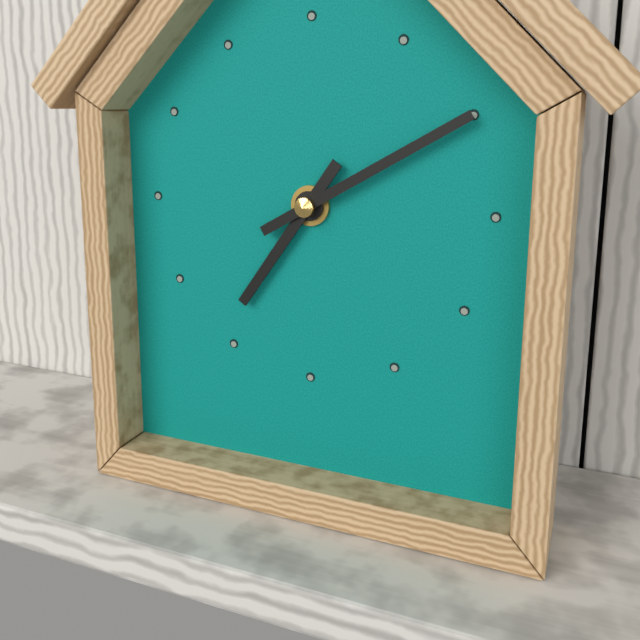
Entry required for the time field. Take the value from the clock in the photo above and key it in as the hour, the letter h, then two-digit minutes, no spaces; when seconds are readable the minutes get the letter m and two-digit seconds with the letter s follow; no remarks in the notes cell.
7h10
